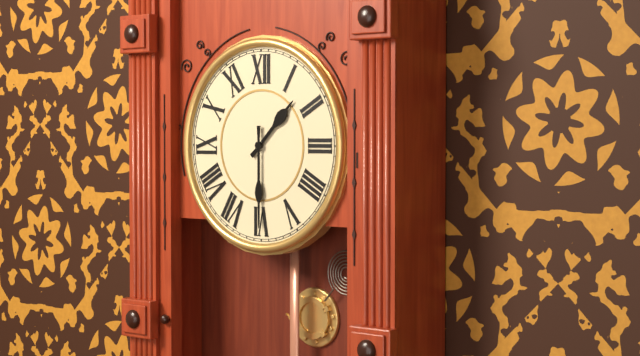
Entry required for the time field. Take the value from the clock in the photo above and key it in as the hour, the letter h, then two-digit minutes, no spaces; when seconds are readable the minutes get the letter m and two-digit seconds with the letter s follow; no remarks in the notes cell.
1h30
